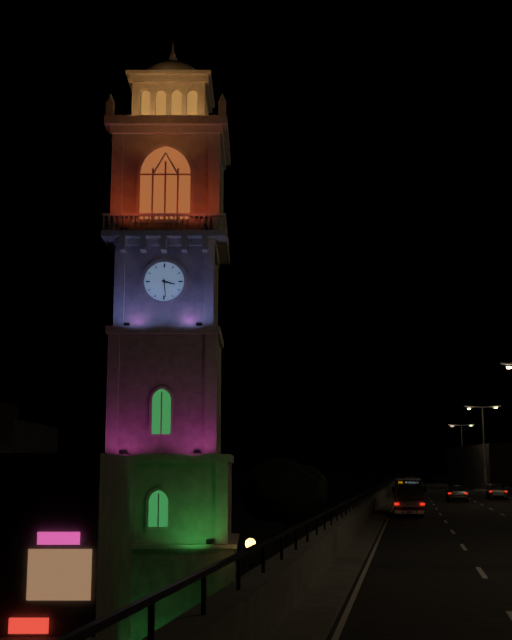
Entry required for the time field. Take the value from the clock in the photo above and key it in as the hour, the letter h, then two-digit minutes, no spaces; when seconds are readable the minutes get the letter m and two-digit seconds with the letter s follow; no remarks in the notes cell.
3h29
